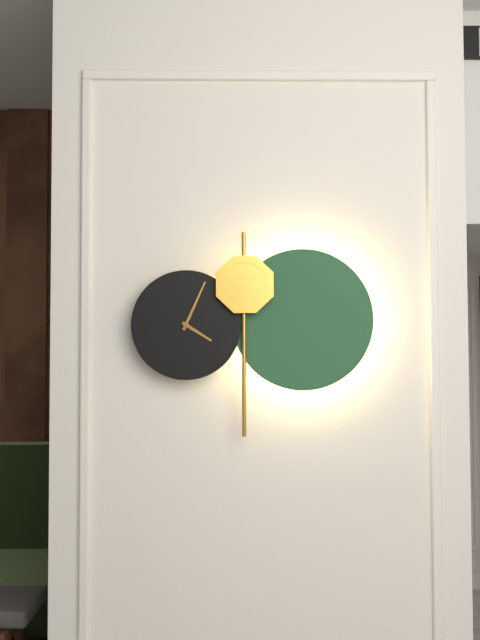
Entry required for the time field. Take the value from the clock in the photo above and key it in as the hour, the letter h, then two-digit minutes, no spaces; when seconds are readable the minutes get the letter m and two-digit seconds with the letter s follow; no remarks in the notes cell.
4h04
